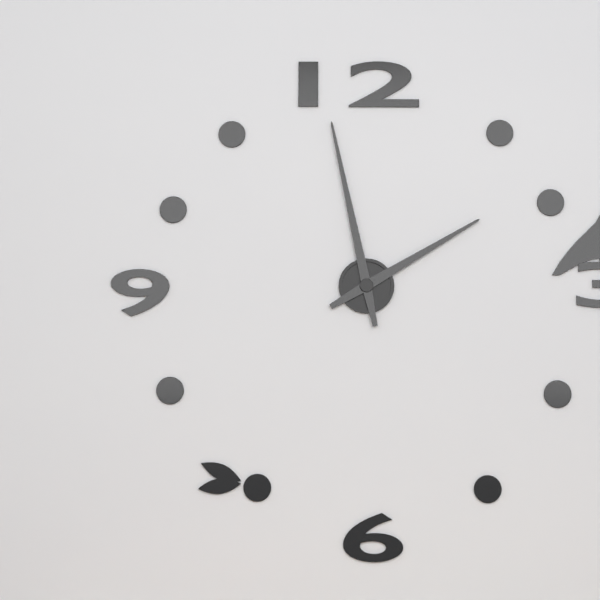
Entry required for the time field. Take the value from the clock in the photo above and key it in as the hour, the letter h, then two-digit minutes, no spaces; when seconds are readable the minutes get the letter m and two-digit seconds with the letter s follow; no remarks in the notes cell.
1h58
